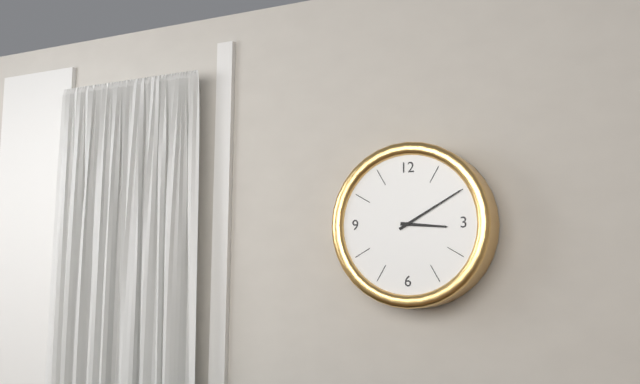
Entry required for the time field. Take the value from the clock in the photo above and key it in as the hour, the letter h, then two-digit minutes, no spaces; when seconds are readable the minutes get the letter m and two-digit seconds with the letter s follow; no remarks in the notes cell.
3h10
